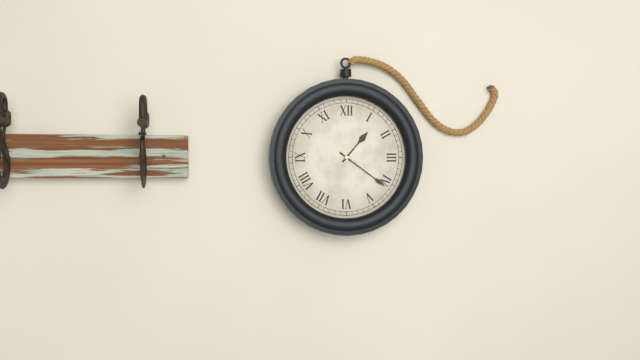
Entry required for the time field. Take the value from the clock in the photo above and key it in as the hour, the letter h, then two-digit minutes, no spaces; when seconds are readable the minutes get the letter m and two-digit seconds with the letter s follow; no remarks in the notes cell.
1h21
